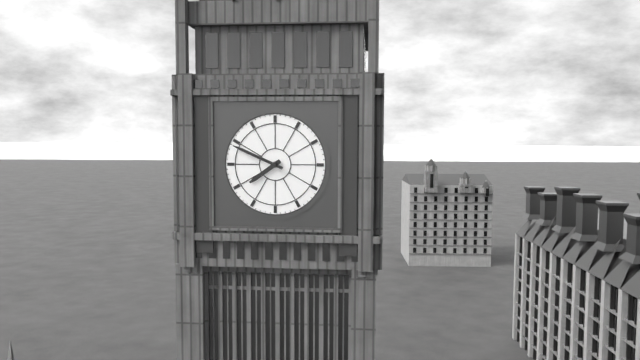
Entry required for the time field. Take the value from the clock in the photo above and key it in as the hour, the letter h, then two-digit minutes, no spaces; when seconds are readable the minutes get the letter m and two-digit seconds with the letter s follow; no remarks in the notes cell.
7h49
